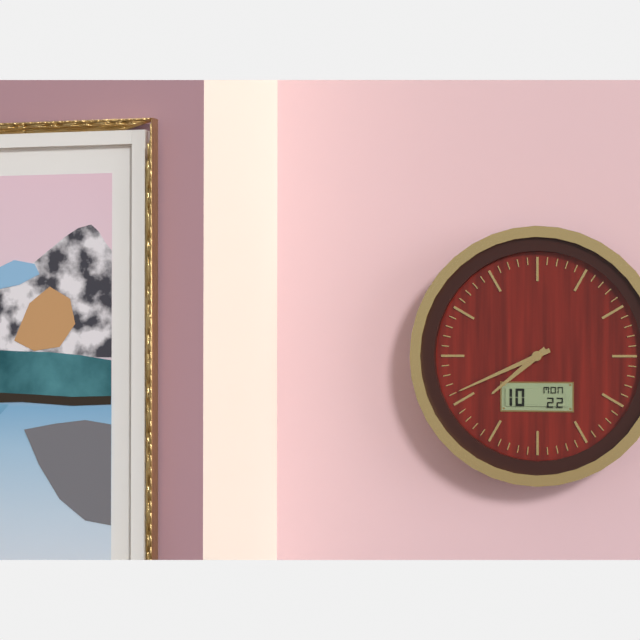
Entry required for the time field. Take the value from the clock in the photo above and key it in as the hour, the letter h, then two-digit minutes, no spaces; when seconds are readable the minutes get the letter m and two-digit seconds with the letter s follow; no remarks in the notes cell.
7h41
